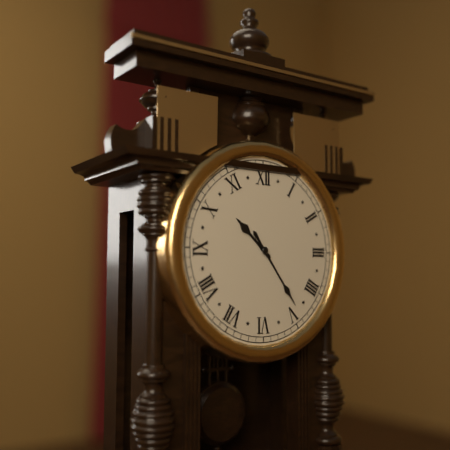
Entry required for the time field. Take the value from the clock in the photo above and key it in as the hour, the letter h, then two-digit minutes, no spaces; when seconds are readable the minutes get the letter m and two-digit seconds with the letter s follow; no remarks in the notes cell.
10h24
